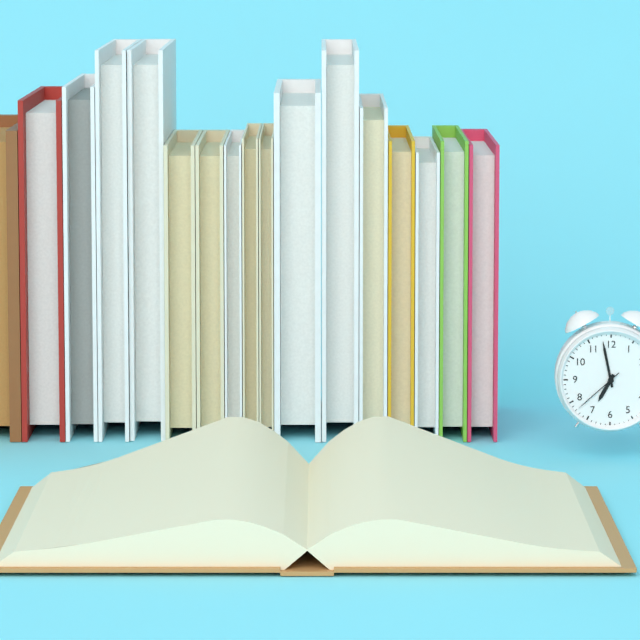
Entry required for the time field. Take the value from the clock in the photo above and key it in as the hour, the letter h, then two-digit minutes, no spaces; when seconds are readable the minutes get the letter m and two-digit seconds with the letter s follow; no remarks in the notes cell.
6h58m38s
